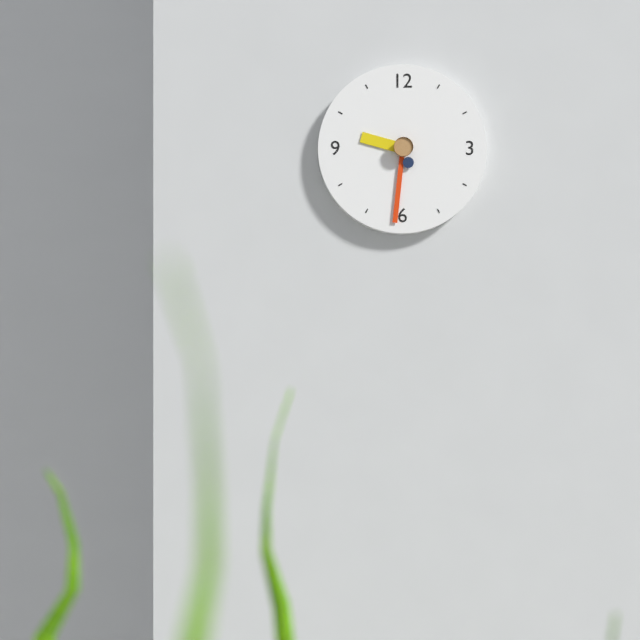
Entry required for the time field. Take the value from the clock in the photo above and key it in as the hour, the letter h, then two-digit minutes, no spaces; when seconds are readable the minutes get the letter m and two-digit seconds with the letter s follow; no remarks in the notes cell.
9h31
